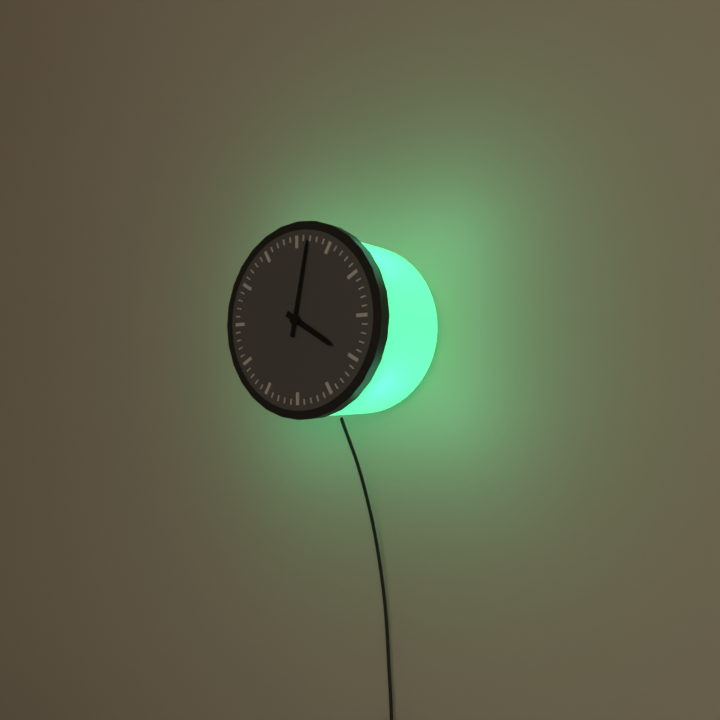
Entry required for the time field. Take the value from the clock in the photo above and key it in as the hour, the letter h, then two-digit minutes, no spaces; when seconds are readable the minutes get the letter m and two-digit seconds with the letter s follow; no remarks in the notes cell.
4h02
